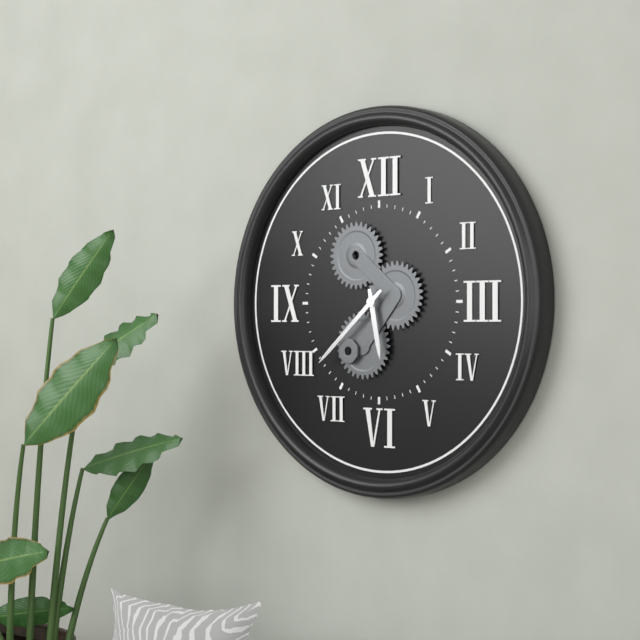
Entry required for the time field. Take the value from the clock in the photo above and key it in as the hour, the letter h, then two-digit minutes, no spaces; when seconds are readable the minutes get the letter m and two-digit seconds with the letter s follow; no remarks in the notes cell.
5h38
